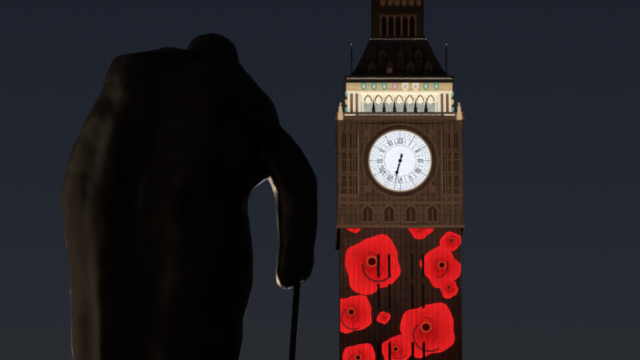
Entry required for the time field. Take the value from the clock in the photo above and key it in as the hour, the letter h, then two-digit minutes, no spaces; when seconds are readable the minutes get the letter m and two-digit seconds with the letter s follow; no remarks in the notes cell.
6h32
